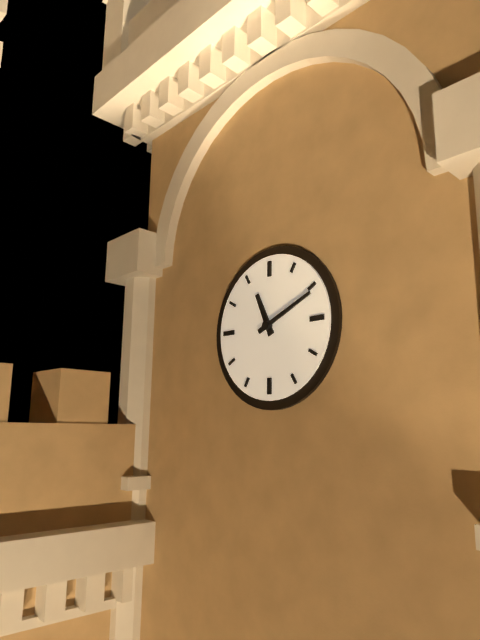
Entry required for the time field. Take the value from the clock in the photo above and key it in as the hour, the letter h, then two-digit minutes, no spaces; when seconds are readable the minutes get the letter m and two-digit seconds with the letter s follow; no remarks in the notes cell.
11h11
